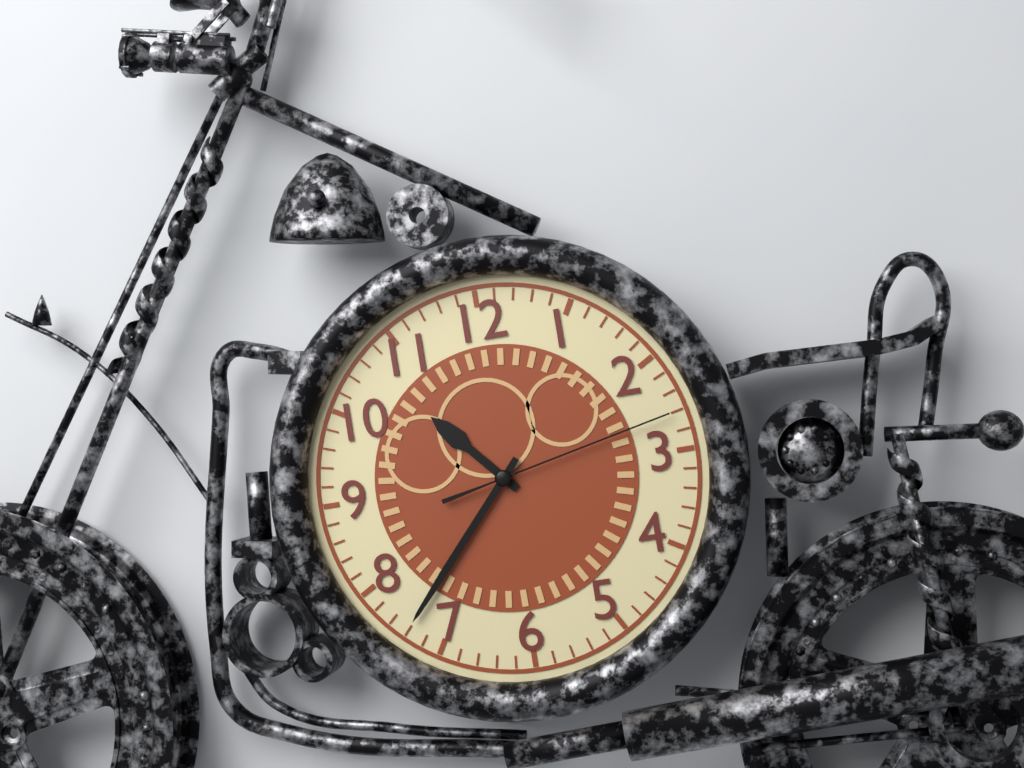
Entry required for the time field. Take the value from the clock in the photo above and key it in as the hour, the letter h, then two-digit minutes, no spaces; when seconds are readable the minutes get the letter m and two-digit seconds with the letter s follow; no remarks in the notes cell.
10h37m13s
